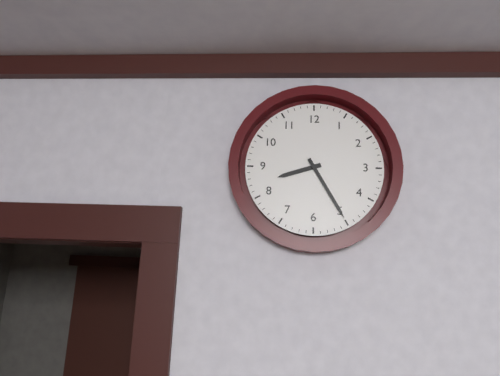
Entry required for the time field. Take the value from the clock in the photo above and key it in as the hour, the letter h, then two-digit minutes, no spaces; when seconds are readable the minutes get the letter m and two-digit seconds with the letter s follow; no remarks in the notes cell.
8h25
